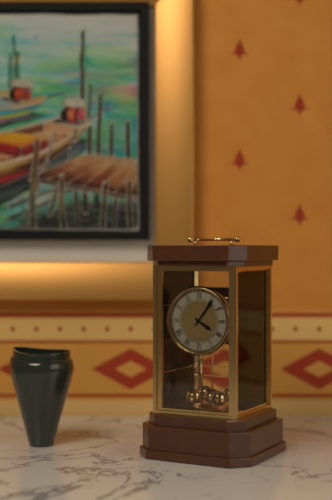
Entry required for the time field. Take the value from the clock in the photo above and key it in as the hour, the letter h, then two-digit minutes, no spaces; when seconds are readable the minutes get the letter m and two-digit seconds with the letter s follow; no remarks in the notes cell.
4h06
